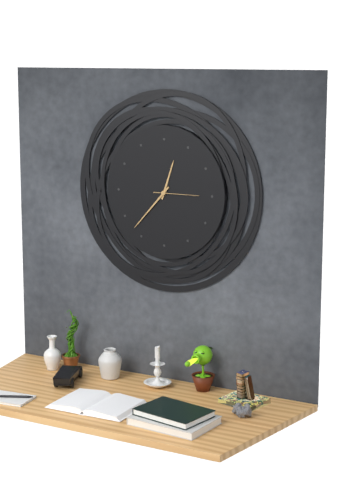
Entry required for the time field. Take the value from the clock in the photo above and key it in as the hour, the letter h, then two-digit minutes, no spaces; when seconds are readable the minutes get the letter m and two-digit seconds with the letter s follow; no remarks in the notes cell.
12h37
